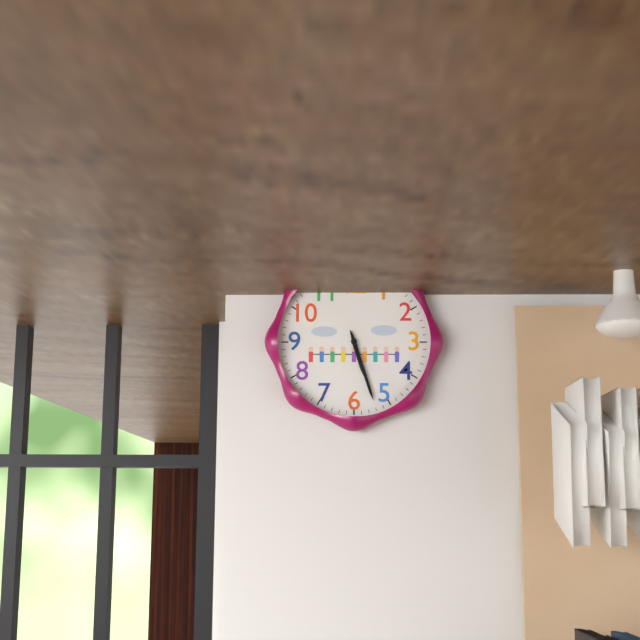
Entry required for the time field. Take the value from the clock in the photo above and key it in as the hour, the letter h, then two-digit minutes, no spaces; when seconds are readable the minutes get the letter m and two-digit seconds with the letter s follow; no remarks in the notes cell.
5h27
